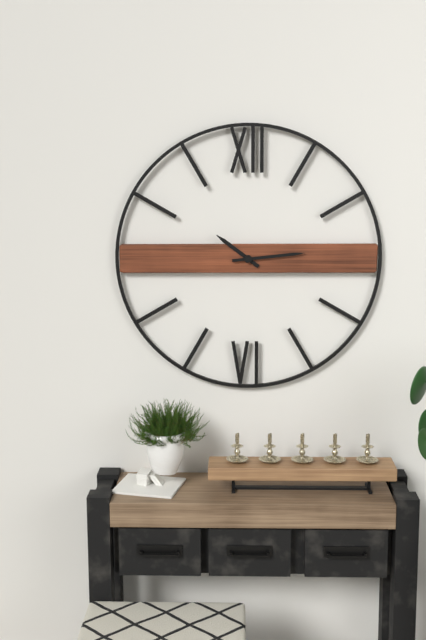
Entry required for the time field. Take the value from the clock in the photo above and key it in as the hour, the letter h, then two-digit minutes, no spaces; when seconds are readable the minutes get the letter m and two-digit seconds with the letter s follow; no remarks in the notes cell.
10h14
